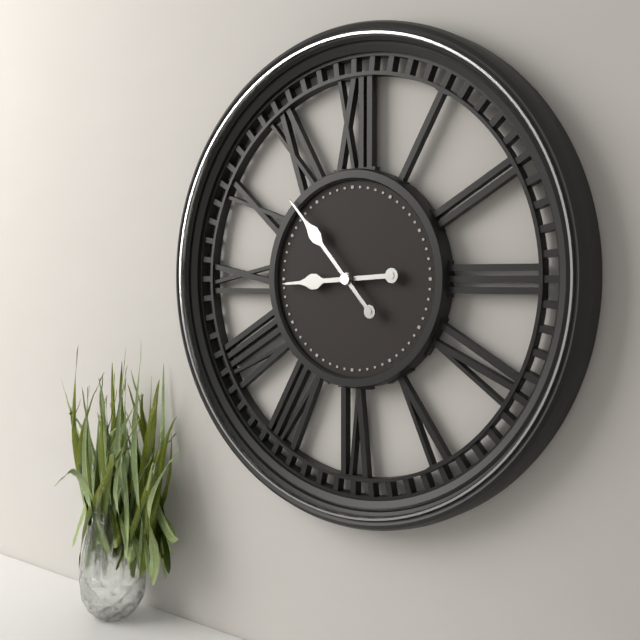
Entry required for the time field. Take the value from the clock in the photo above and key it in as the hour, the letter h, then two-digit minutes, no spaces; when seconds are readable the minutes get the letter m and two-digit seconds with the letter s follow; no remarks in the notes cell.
8h53
